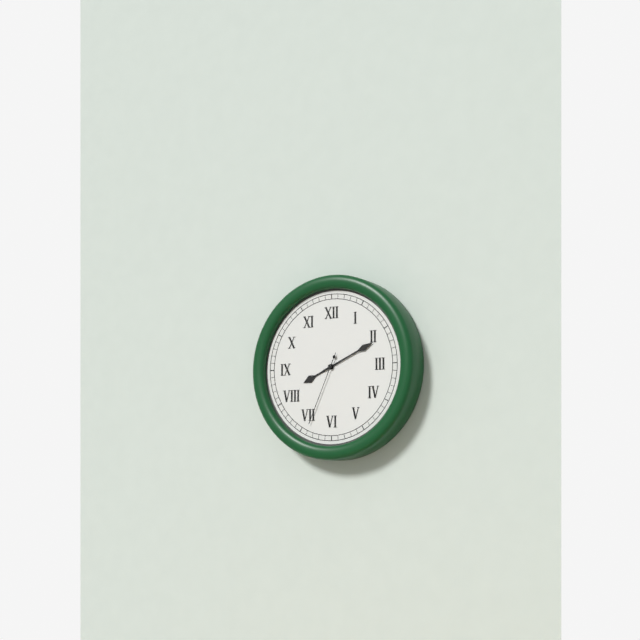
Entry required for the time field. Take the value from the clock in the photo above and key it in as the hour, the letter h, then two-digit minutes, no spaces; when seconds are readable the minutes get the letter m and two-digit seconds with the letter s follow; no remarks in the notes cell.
8h11m34s
